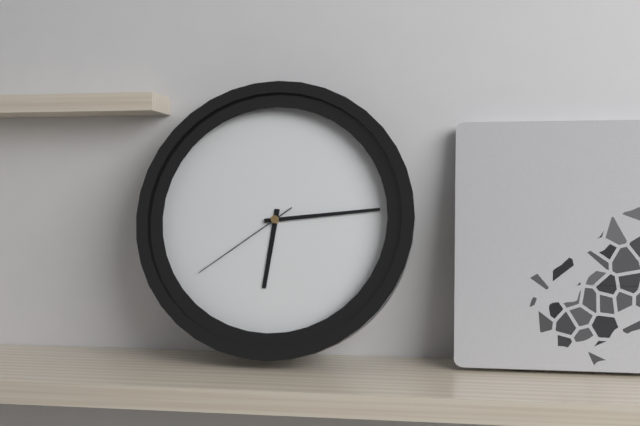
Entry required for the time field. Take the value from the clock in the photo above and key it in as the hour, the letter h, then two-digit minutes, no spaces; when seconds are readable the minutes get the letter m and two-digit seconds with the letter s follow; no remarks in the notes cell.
6h14m39s
